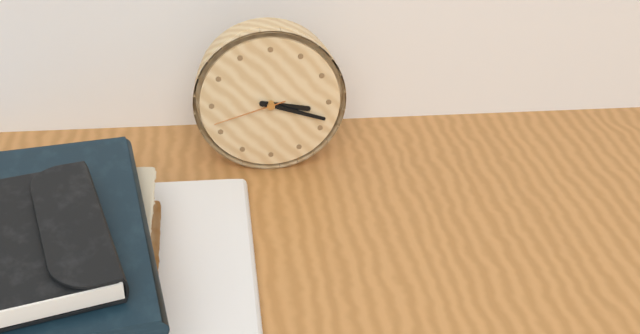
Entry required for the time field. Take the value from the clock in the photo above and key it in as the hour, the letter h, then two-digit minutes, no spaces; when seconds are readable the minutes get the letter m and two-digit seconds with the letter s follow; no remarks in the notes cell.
3h18m42s
